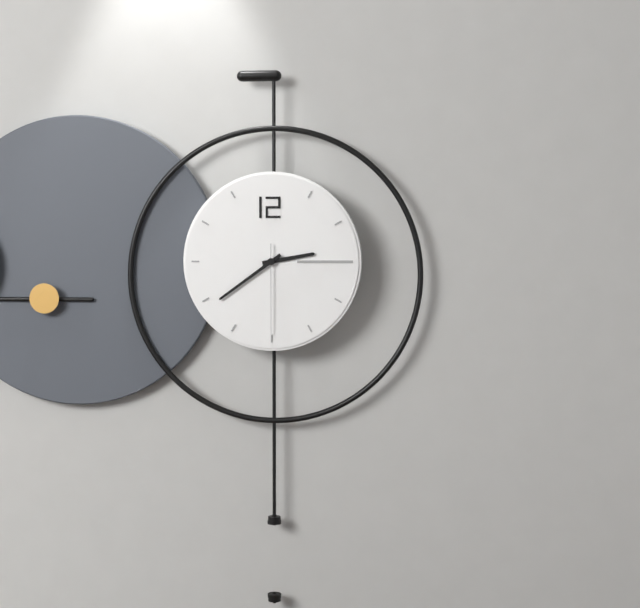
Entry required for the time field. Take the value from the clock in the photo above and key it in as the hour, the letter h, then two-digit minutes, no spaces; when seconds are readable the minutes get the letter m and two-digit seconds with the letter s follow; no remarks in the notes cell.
2h39m30s
